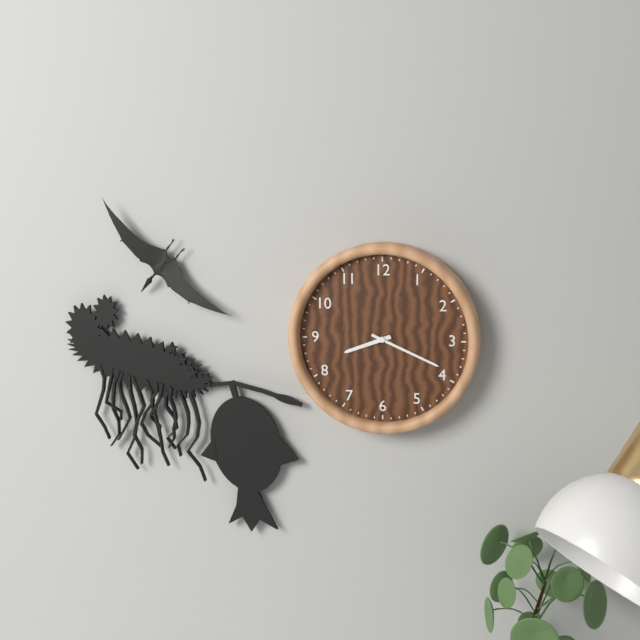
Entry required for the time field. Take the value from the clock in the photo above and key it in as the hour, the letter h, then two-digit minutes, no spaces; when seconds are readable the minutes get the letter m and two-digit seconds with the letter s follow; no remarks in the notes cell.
8h19
